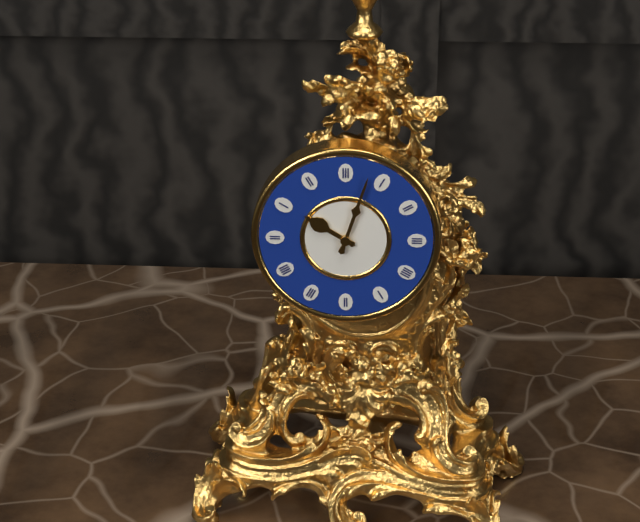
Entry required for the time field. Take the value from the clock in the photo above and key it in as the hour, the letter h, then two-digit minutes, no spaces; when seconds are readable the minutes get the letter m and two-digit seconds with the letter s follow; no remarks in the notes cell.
10h03
